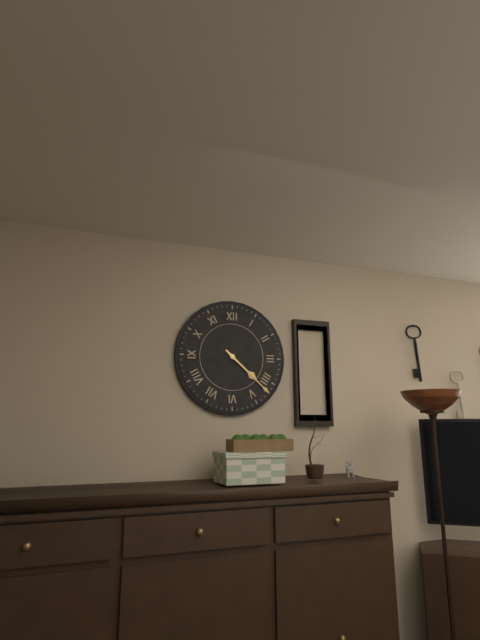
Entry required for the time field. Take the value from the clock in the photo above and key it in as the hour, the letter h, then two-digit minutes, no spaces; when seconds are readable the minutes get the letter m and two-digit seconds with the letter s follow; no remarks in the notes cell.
4h22
